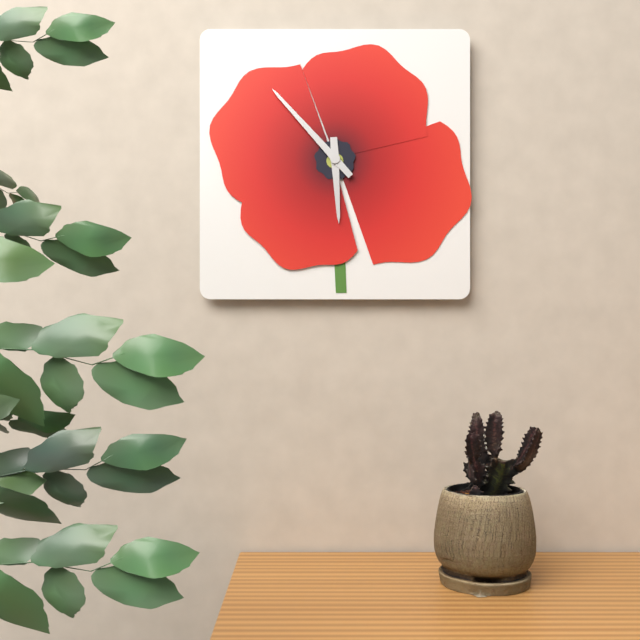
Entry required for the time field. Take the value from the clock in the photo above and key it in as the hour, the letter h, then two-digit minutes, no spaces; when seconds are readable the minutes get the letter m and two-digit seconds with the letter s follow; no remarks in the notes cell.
5h53
